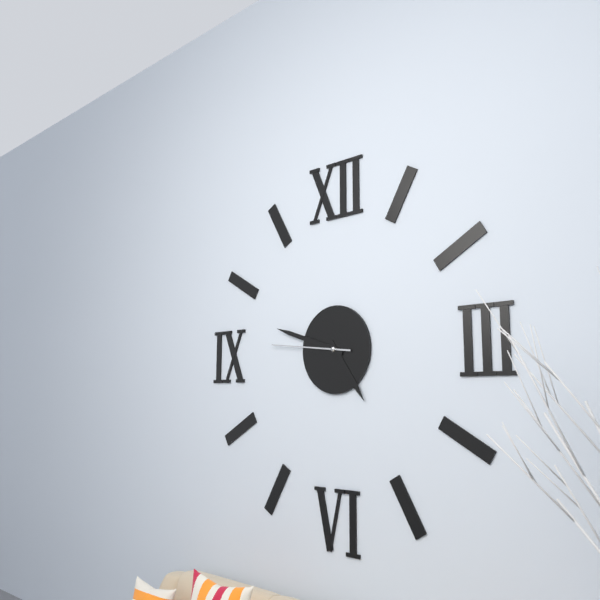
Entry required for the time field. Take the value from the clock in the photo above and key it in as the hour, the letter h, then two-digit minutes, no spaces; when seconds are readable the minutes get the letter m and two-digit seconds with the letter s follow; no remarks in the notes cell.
4h48m46s
